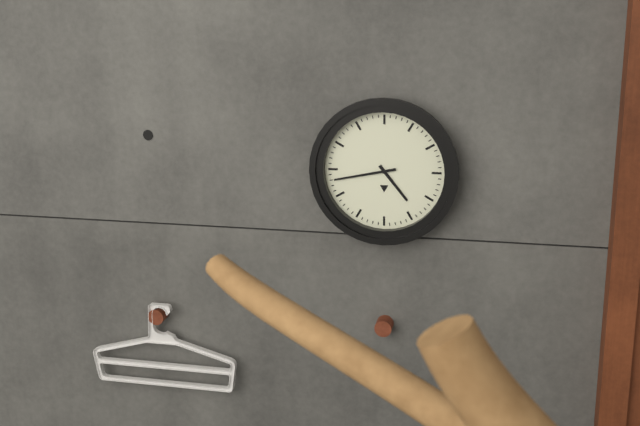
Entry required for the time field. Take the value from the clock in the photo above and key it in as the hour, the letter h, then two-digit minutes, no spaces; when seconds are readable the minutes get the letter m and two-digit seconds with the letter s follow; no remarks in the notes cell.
4h43
